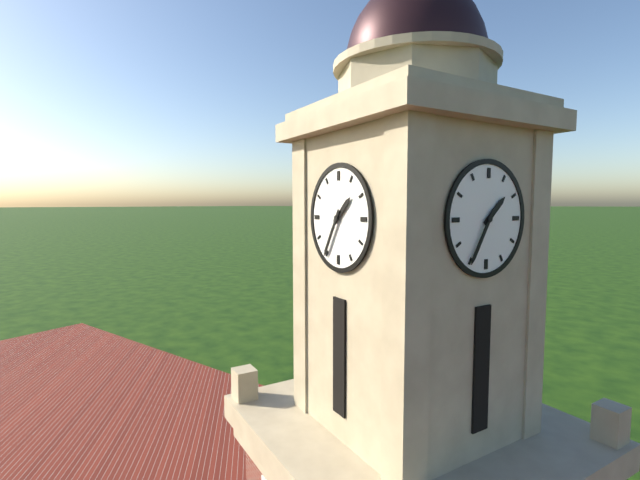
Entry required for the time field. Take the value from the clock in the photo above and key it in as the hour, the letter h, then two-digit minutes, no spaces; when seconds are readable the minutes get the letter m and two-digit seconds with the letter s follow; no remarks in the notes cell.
1h35
